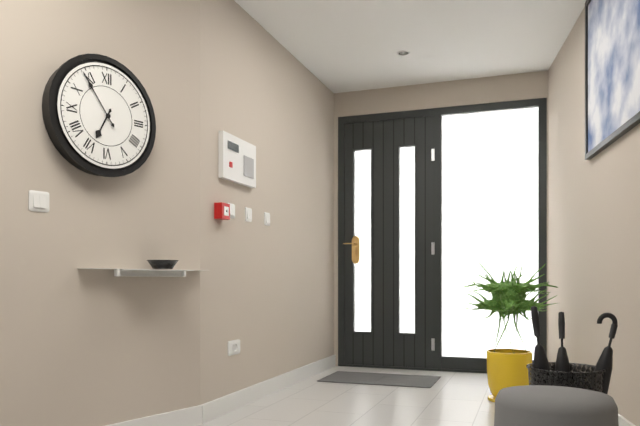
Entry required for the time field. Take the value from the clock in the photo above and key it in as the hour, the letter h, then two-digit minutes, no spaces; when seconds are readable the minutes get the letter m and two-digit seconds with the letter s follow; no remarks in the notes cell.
6h54
